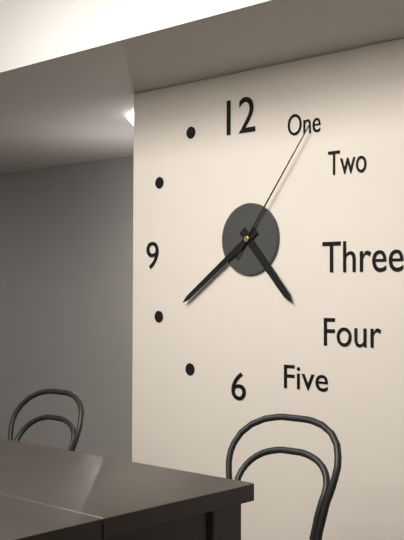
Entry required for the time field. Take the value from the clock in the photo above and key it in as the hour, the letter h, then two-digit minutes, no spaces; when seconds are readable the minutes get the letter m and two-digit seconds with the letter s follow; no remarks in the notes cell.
4h39m06s
